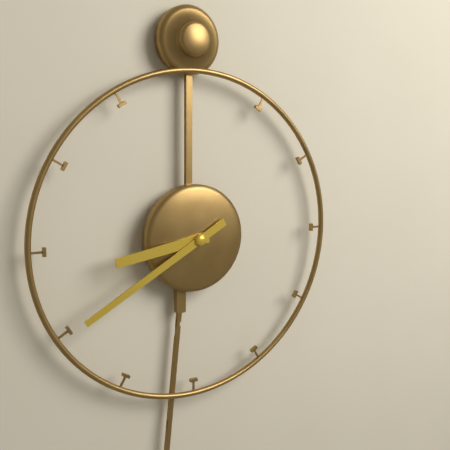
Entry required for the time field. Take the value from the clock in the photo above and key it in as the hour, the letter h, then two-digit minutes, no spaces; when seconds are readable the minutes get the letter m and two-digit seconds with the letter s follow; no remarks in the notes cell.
8h40
